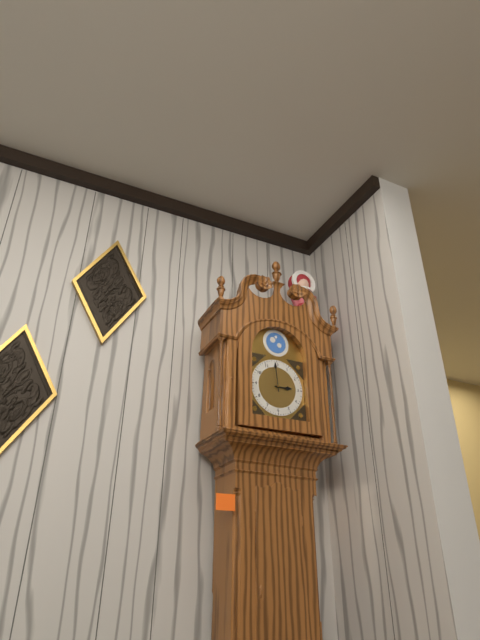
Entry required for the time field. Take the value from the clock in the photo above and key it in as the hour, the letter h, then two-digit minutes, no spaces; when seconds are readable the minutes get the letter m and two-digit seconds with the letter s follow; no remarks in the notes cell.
2h59
